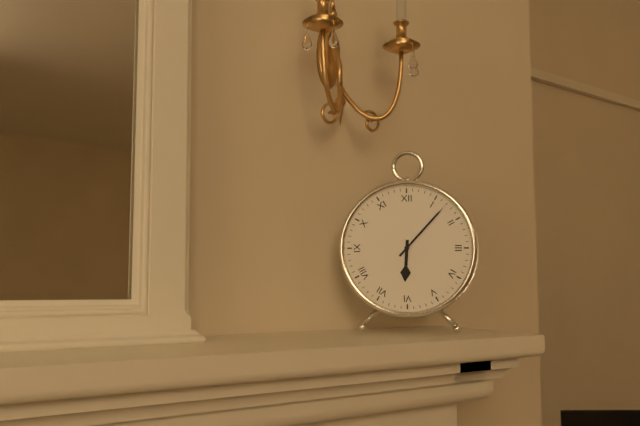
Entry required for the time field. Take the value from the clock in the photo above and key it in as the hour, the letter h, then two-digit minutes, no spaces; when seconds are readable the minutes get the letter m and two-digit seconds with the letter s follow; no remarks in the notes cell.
6h07
